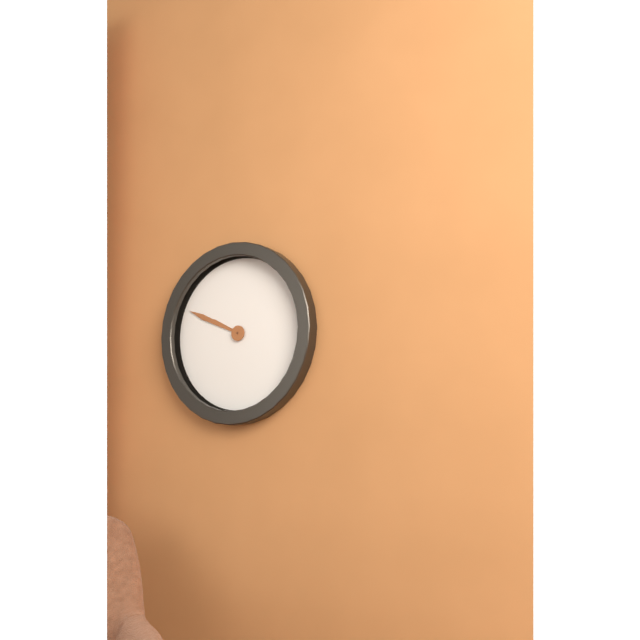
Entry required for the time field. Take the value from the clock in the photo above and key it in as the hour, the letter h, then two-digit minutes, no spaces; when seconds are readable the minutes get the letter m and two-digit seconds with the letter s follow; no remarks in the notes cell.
9h49
